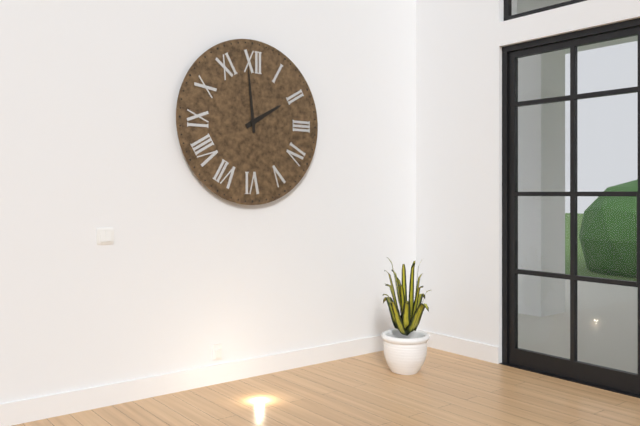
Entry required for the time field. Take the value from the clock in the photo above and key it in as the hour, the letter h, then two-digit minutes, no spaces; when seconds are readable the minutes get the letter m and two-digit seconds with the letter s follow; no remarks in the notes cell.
1h59
